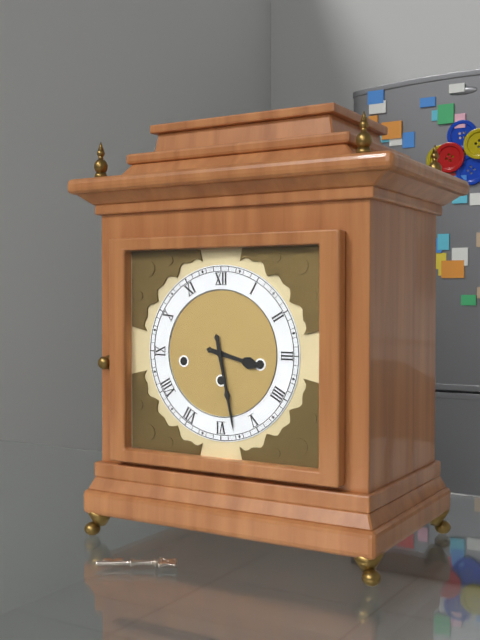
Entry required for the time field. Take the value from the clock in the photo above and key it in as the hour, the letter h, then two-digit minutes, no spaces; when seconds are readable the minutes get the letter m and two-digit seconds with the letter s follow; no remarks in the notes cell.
3h28
